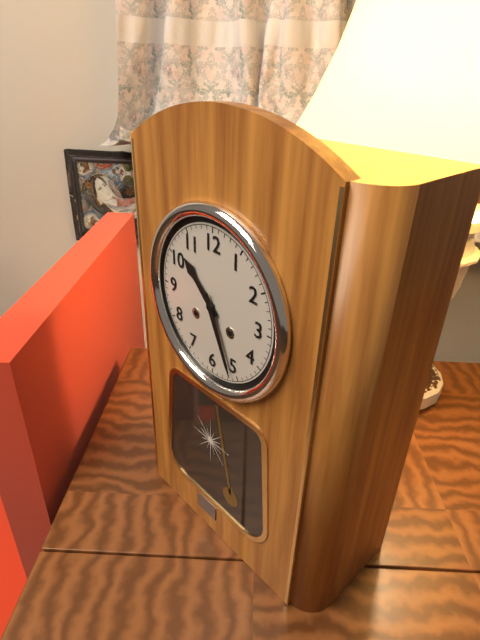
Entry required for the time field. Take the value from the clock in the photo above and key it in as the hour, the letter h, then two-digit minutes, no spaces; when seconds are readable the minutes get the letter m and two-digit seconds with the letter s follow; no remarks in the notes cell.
10h26
